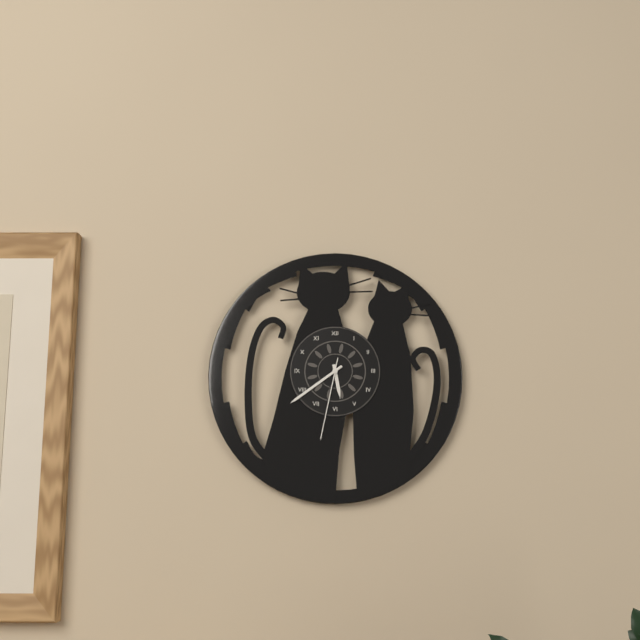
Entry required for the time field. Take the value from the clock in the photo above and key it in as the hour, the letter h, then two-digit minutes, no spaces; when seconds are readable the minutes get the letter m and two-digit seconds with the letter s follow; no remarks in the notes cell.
5h39m32s
